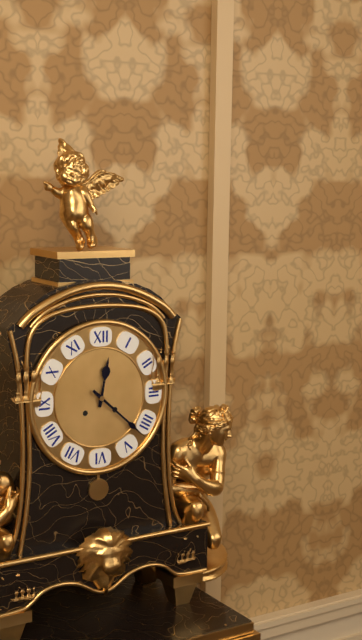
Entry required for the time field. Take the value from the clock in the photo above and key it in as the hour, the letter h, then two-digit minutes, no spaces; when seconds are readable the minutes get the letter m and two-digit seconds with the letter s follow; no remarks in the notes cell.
12h22
